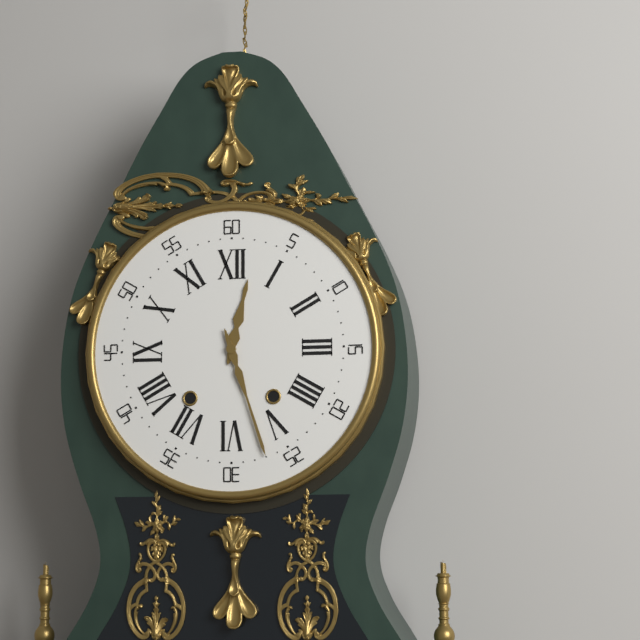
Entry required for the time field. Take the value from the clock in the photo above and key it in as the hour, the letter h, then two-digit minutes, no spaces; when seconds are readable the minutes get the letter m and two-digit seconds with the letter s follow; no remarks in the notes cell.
12h27
